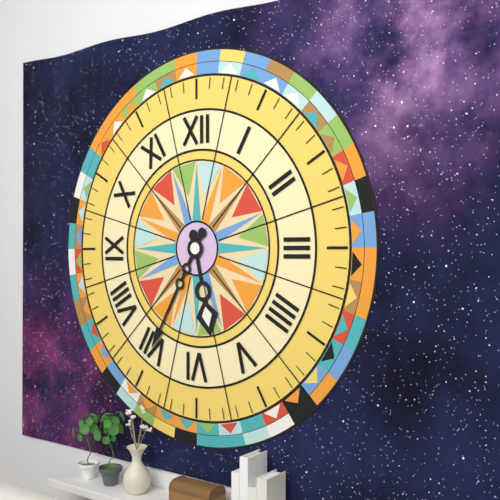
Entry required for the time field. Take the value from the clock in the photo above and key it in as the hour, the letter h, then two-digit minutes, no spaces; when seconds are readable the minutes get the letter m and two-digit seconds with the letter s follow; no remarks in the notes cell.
5h35
